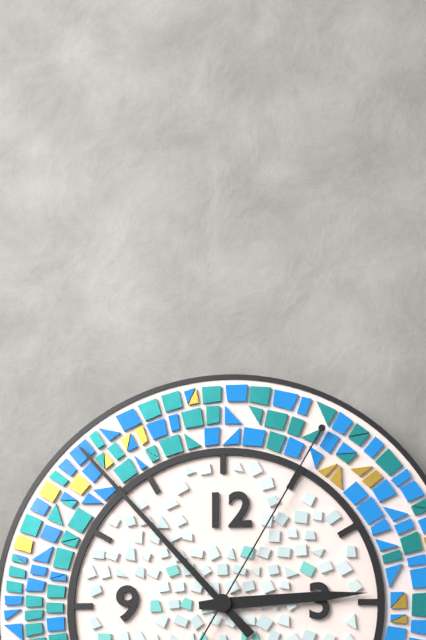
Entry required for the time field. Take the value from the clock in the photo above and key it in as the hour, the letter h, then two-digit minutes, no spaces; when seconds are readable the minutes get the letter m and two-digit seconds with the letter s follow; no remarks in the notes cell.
2h53m05s
